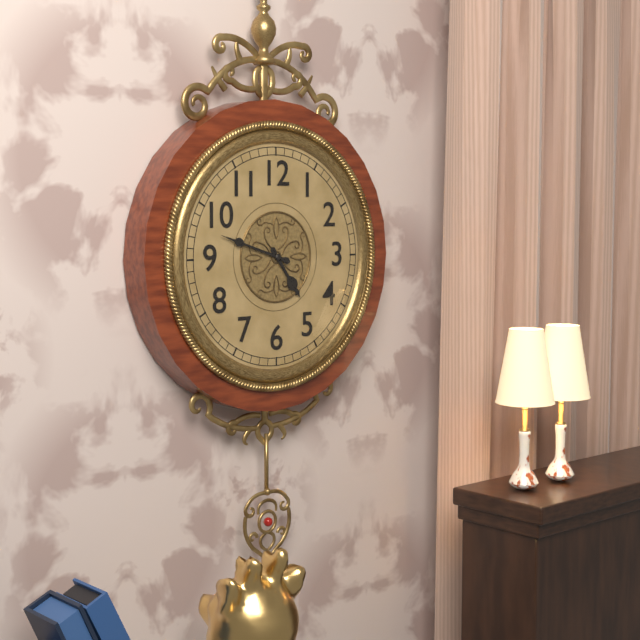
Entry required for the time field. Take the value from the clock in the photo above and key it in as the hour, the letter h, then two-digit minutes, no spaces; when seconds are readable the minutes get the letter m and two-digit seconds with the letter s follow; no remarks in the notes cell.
4h48
